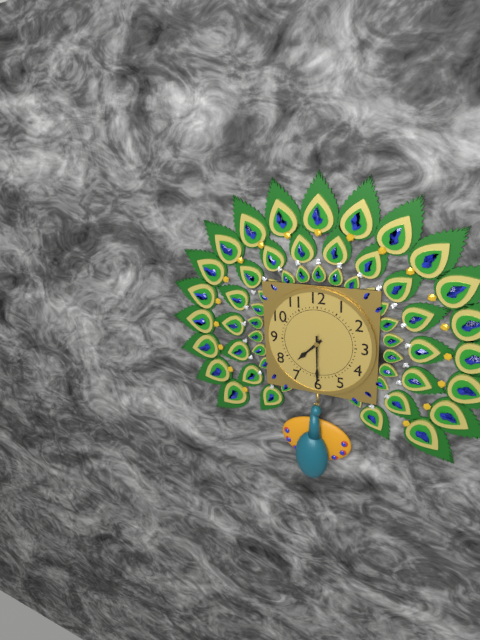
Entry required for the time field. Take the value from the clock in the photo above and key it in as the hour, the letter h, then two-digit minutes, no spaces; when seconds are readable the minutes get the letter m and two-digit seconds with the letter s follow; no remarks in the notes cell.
7h30
